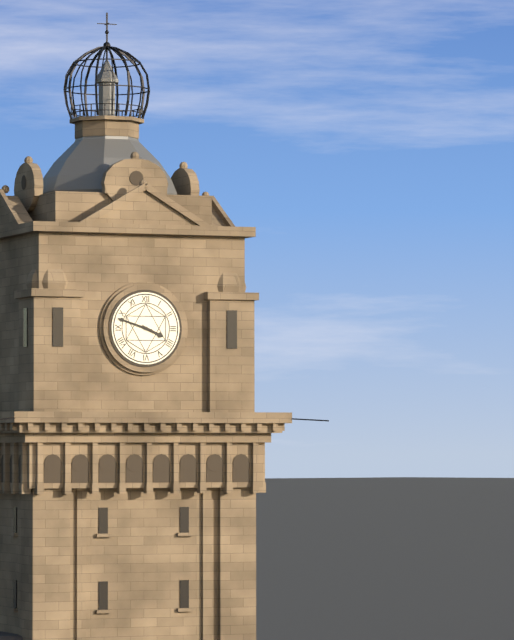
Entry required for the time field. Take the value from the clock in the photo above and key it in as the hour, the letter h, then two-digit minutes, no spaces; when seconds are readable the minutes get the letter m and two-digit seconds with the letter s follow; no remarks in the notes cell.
3h48
